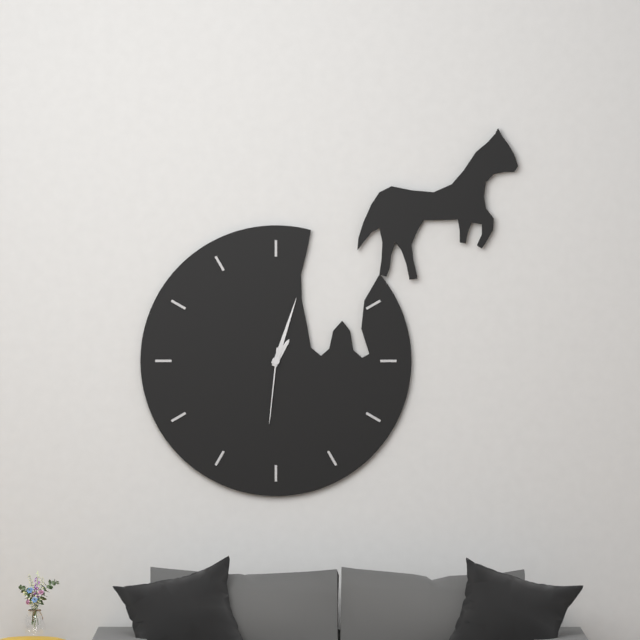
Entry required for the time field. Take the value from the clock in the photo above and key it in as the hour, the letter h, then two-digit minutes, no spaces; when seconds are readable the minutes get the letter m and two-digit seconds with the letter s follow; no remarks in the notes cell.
1h03m31s
